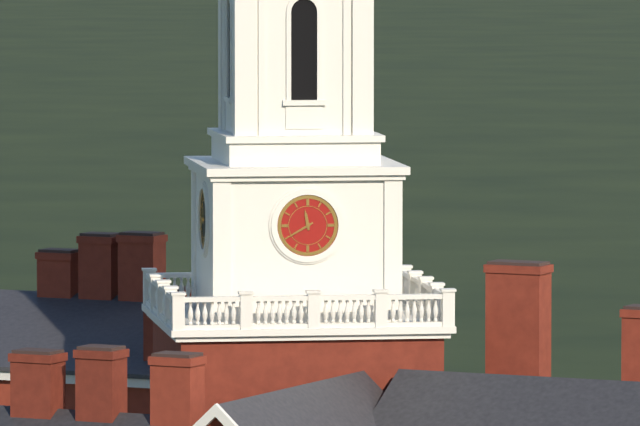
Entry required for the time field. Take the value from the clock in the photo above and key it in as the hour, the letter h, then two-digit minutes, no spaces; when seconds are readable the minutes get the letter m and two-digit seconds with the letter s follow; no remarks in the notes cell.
11h40
